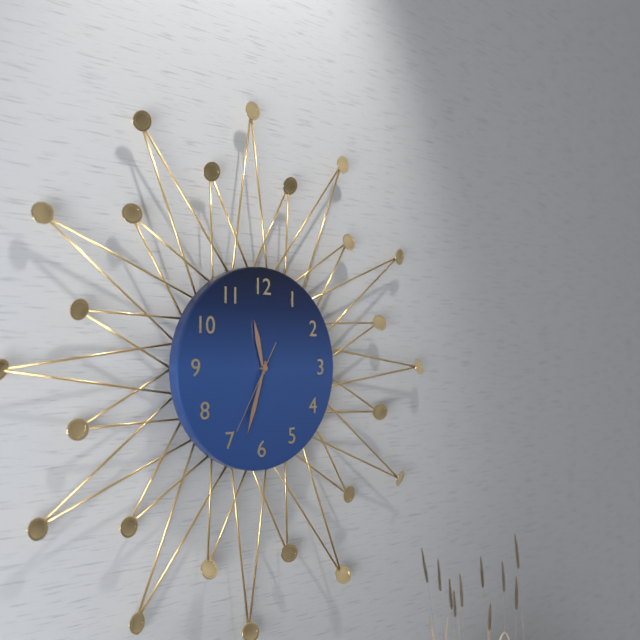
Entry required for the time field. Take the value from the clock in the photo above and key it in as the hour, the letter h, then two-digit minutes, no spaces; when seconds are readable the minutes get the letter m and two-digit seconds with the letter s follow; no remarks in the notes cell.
11h33m35s
